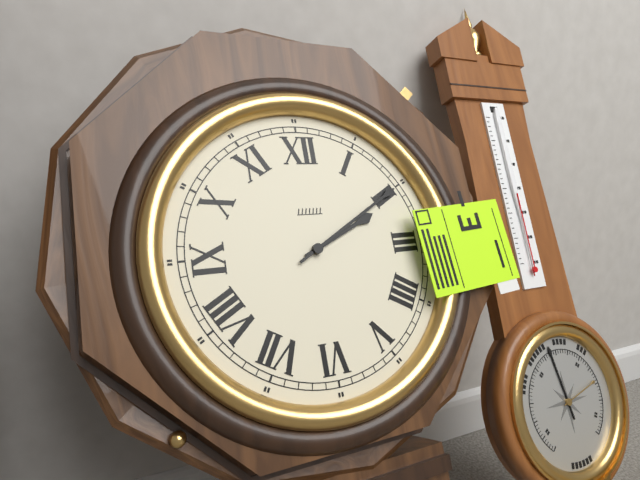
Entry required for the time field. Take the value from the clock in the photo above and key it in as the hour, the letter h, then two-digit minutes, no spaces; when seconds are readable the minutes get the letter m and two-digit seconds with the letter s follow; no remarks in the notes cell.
2h10
